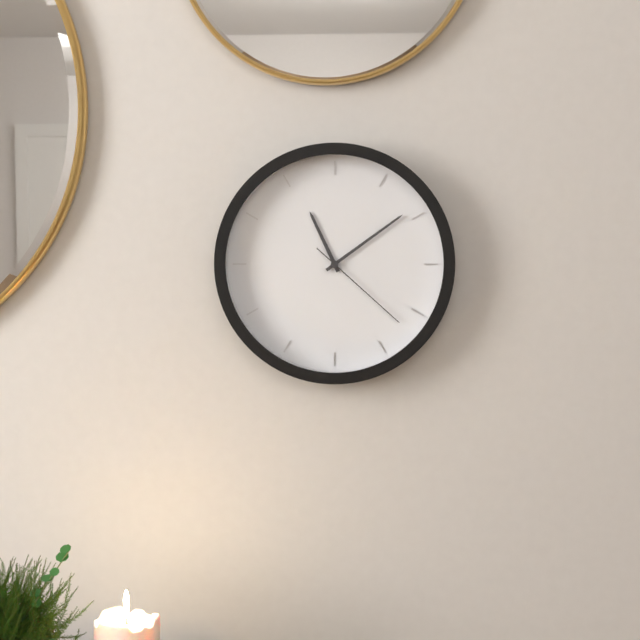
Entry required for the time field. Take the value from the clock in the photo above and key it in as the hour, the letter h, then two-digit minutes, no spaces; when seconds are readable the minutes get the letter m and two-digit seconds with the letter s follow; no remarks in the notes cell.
11h09m22s
